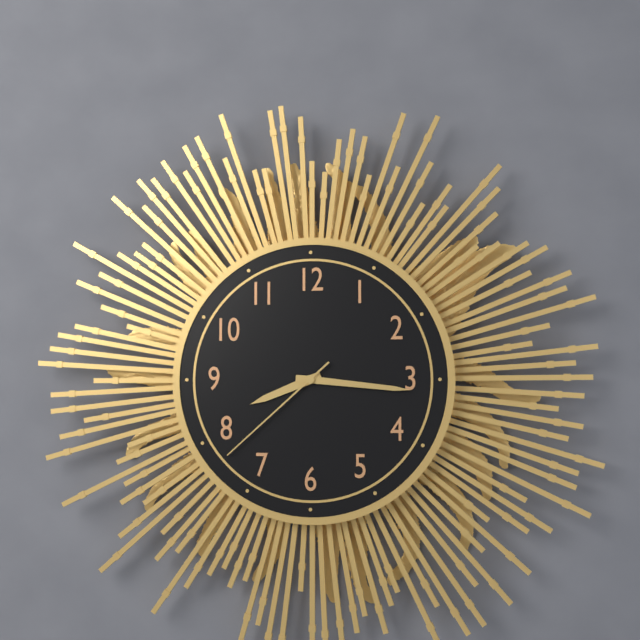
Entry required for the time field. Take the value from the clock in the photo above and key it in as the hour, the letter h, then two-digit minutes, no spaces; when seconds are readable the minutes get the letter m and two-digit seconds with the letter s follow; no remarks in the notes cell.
8h16m38s
